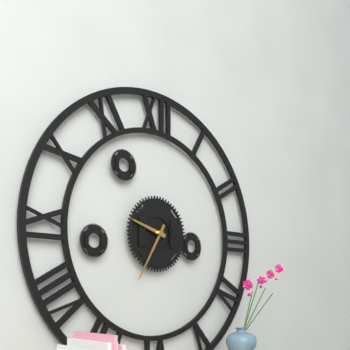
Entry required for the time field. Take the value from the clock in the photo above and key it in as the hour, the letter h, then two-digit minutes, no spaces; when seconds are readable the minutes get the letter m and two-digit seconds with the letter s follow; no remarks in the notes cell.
9h35
